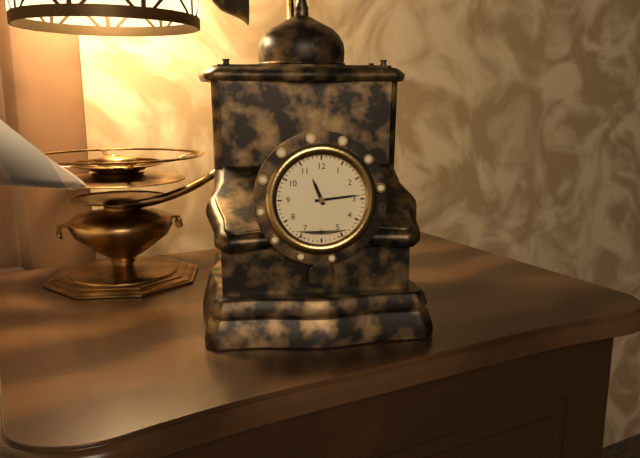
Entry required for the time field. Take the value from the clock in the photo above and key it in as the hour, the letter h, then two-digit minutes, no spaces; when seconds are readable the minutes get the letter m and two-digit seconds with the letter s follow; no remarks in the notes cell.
11h14
